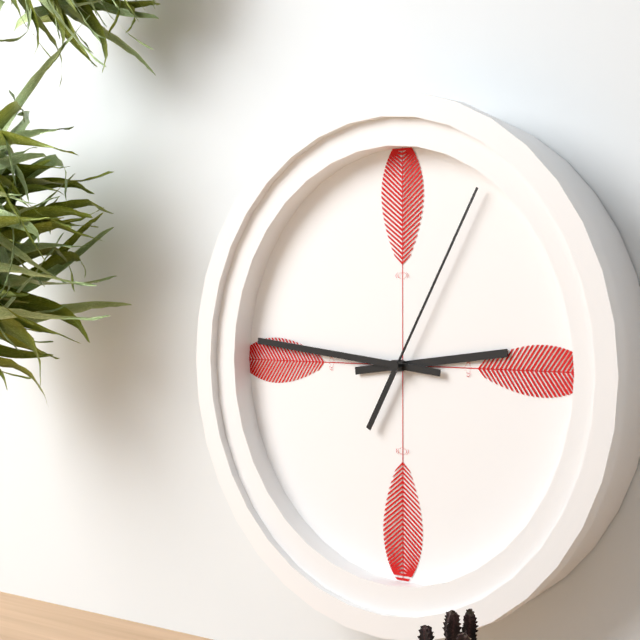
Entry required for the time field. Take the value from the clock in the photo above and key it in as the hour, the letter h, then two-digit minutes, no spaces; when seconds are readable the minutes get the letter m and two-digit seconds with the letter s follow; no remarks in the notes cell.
2h46m05s
